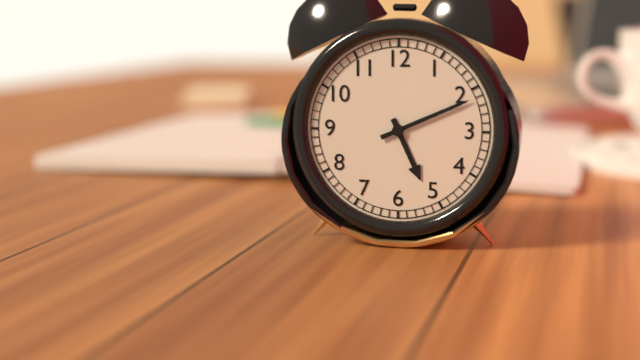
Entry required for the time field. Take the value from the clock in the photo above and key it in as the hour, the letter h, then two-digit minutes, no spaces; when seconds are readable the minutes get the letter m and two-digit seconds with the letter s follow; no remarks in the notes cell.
5h11
